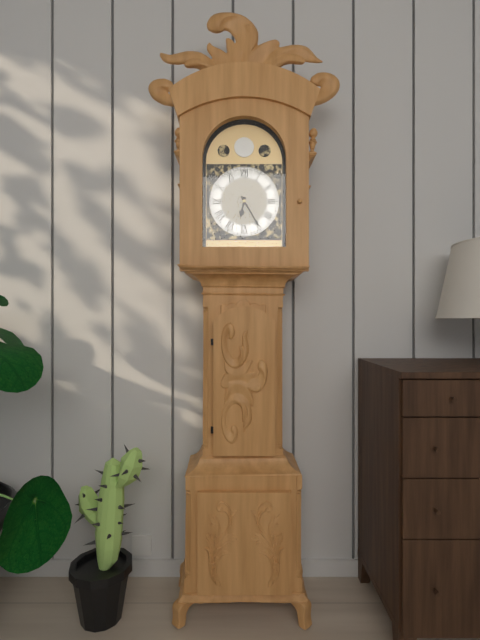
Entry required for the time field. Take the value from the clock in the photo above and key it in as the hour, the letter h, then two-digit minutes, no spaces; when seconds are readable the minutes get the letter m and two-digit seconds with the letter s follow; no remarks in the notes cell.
6h25
